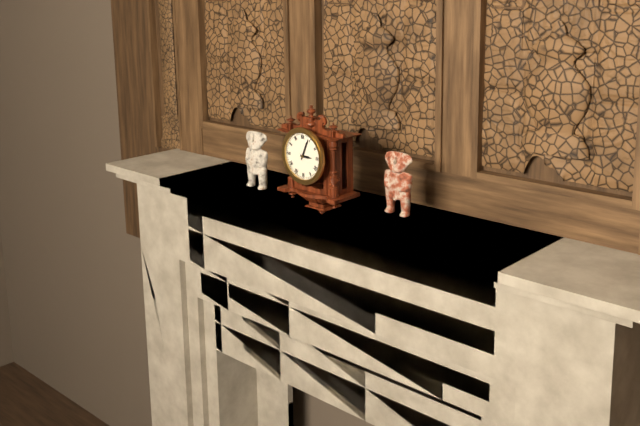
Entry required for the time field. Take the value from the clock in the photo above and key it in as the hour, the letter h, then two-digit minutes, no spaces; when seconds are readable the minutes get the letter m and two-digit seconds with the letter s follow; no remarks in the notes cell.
3h04
